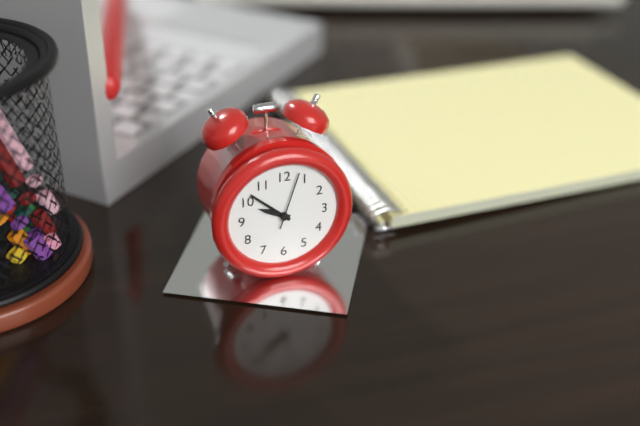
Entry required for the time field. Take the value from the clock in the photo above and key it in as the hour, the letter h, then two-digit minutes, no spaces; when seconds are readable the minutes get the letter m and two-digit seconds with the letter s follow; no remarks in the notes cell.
9h52m03s
